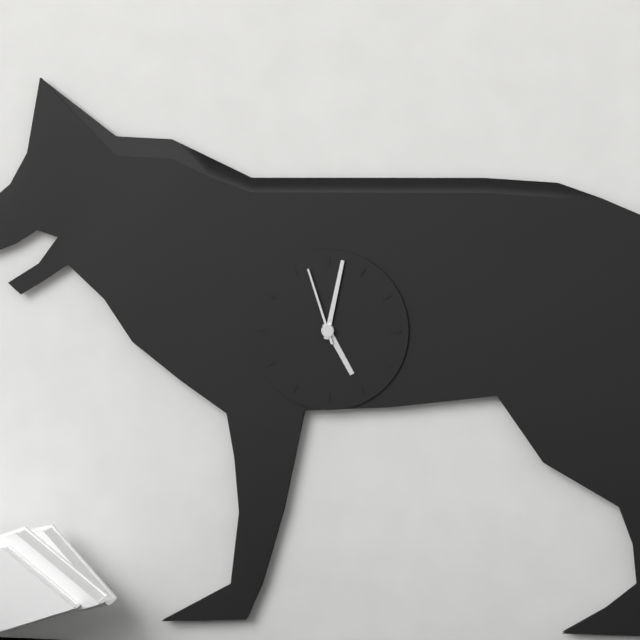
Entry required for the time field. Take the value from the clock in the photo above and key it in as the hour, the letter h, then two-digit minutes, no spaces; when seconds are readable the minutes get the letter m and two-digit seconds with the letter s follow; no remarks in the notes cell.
5h02m57s
